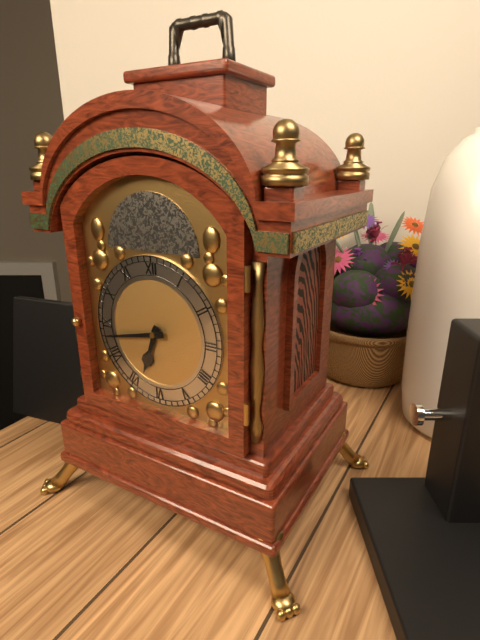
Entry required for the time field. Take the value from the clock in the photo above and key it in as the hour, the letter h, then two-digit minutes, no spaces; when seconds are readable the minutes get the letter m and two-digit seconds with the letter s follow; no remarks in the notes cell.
6h43
